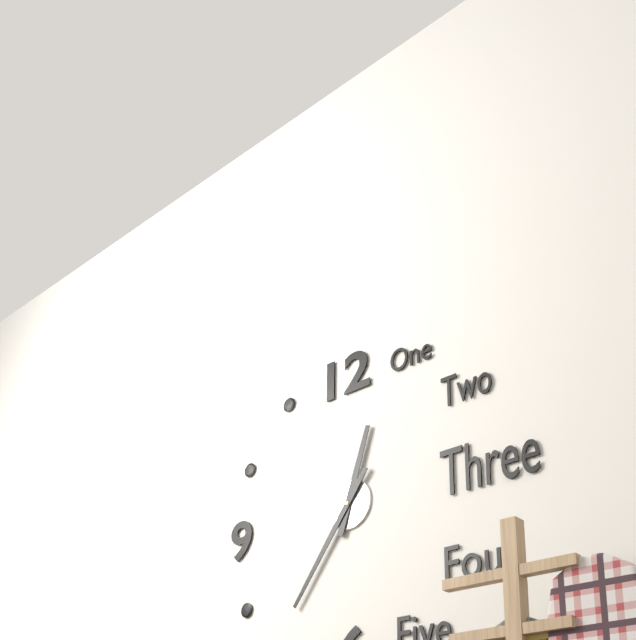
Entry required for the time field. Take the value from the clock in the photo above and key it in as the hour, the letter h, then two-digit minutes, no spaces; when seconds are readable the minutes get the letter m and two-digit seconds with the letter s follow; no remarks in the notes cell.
12h36
